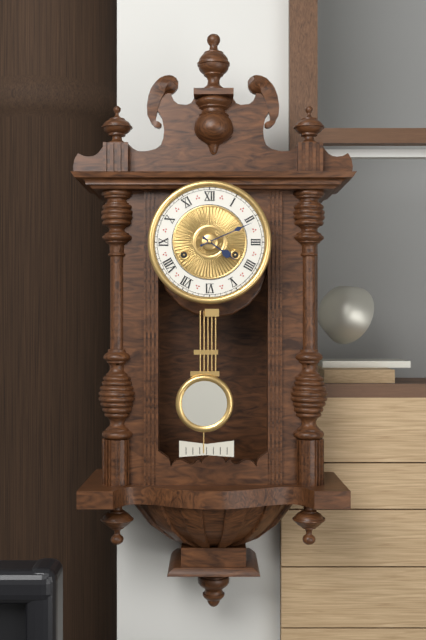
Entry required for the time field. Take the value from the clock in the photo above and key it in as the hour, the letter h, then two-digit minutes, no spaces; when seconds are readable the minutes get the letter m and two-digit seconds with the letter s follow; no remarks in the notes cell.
4h11
